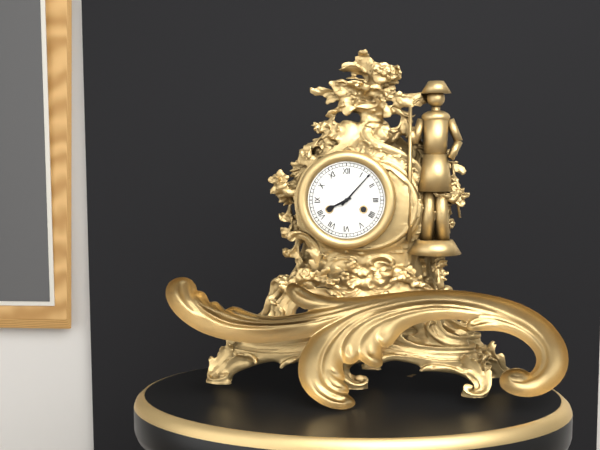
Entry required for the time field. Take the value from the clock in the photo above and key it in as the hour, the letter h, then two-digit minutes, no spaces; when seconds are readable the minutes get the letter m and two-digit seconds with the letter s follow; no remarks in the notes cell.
8h07
